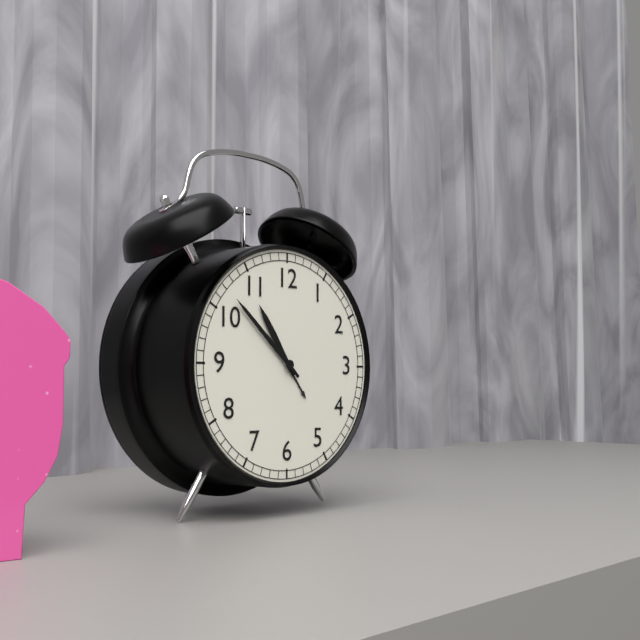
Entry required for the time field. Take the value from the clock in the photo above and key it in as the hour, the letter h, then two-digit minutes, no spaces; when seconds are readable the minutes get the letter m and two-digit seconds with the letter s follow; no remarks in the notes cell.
10h52
